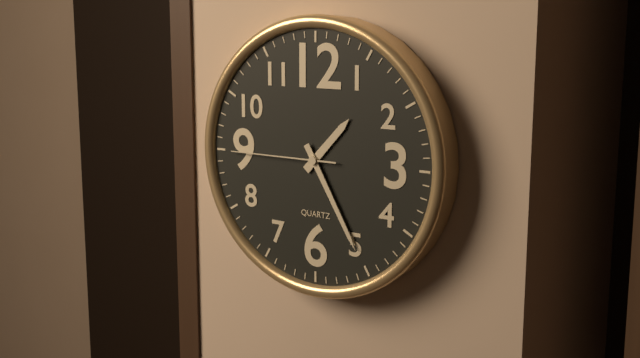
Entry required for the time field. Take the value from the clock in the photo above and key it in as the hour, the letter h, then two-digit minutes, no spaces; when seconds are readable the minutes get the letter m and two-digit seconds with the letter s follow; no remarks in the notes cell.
1h25m45s
